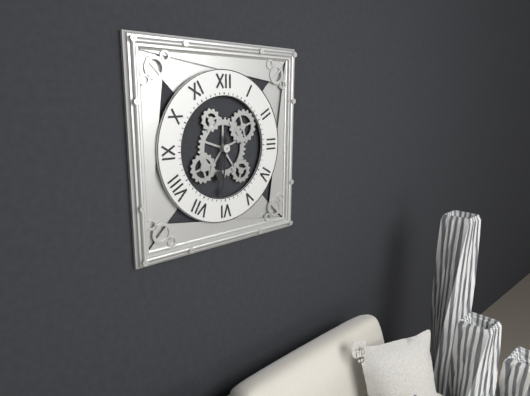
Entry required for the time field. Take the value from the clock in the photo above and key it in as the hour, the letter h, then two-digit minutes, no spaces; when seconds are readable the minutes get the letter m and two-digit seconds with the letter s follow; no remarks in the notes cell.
6h31
